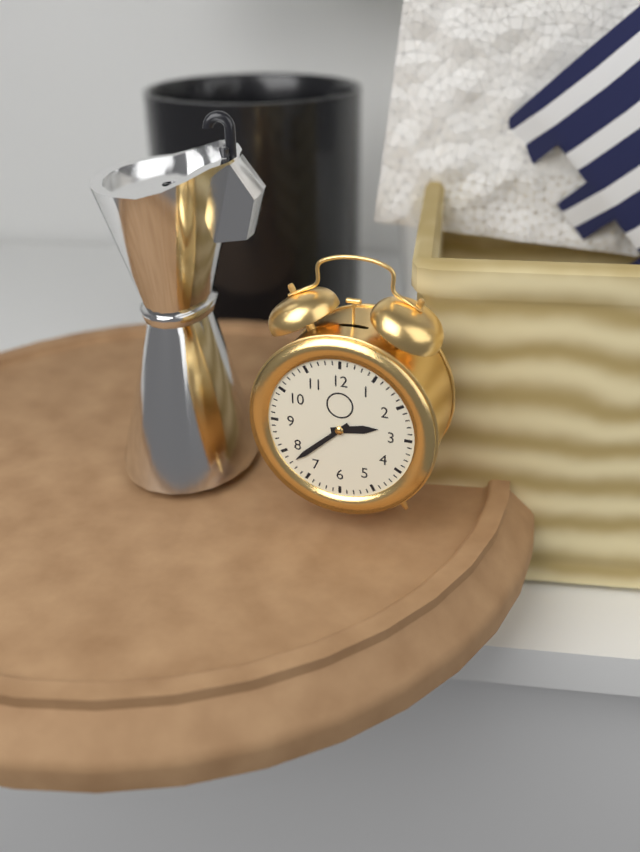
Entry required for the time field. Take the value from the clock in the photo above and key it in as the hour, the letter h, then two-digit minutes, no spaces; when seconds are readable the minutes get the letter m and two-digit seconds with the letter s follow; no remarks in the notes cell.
2h38
